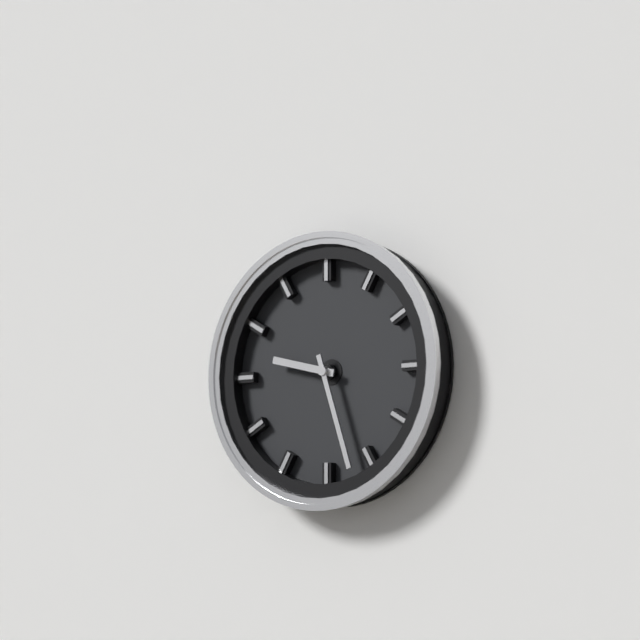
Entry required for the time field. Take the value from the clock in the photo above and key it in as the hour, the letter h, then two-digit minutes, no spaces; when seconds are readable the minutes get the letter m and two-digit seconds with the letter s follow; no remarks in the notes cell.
9h27
